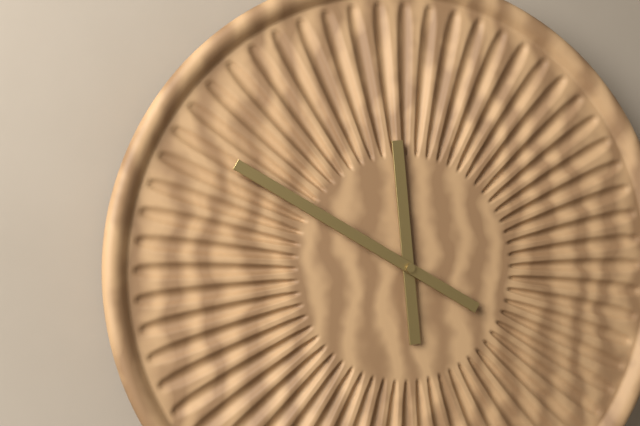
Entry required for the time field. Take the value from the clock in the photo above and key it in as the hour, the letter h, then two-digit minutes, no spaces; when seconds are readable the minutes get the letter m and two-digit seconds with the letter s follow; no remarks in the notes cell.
11h50
